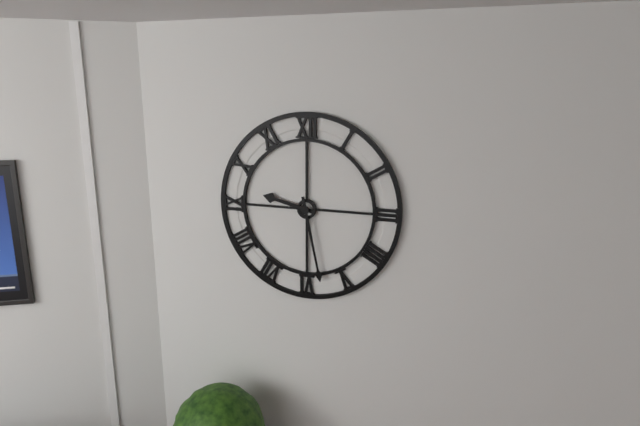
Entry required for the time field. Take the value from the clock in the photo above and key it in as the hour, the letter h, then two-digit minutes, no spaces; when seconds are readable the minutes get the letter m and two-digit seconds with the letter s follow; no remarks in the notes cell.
9h28
